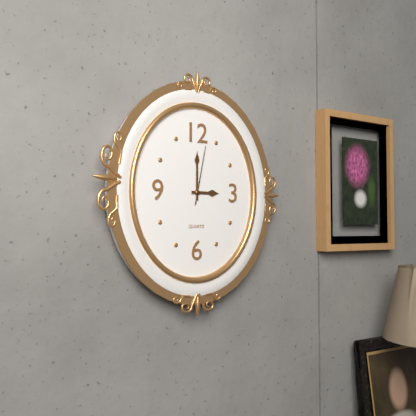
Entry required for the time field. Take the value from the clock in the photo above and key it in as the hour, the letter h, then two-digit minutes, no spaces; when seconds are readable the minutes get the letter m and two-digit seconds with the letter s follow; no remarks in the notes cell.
3h00m02s
